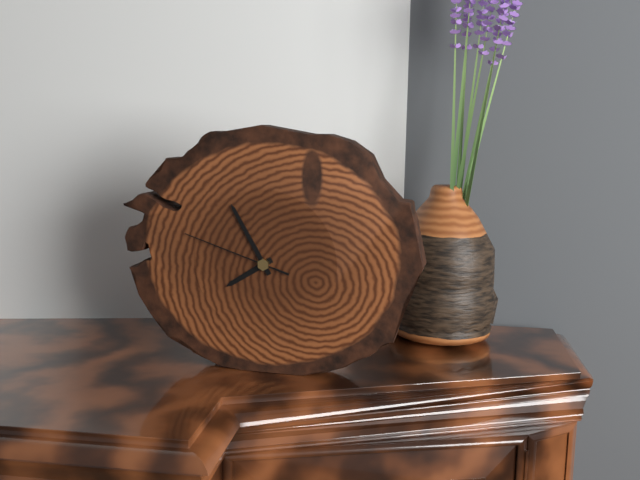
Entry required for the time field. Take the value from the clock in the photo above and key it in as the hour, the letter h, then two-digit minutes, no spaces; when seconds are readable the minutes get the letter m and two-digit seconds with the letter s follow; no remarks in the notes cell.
7h55m48s
